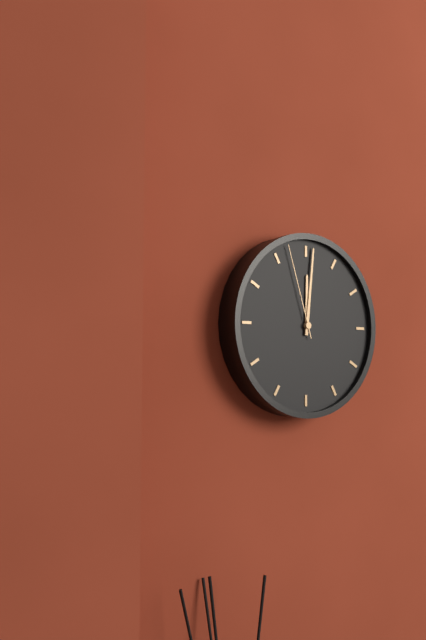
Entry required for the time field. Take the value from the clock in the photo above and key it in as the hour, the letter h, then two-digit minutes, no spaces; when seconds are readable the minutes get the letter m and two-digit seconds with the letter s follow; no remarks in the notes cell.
12h01m57s
